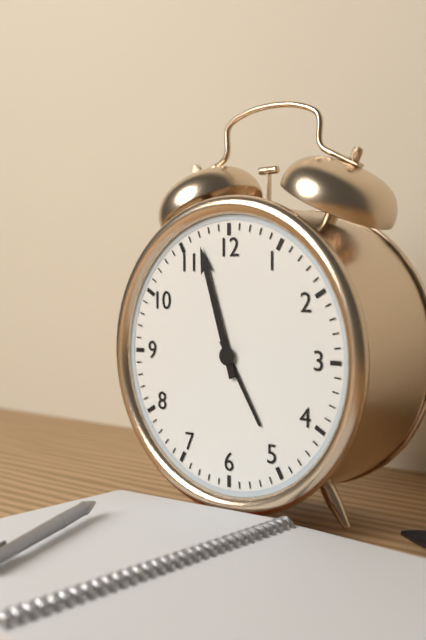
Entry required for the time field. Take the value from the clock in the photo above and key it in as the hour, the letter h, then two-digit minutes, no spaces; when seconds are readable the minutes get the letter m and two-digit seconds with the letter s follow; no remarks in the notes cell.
4h57
